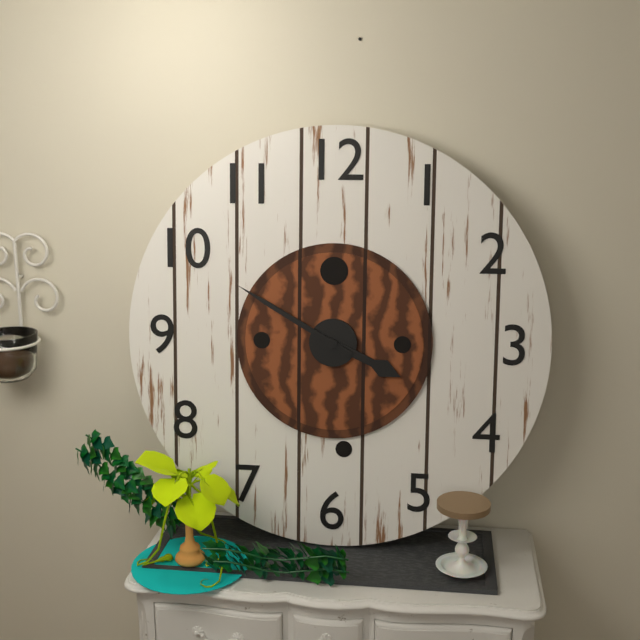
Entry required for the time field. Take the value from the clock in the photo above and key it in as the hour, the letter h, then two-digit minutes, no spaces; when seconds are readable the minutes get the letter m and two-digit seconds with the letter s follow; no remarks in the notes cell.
3h50
